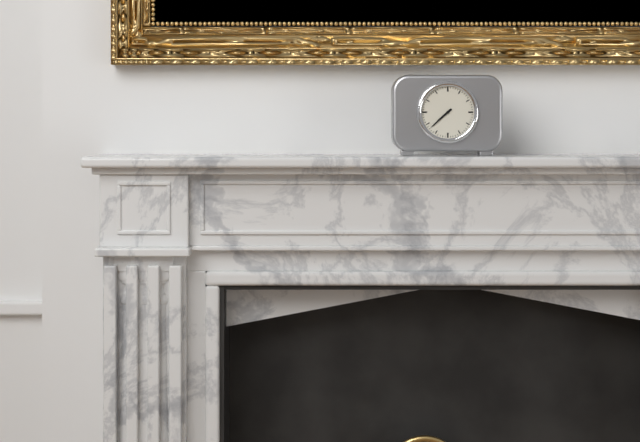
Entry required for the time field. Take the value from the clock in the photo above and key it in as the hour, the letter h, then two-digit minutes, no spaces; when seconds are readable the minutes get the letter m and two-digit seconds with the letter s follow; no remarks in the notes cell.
7h38
